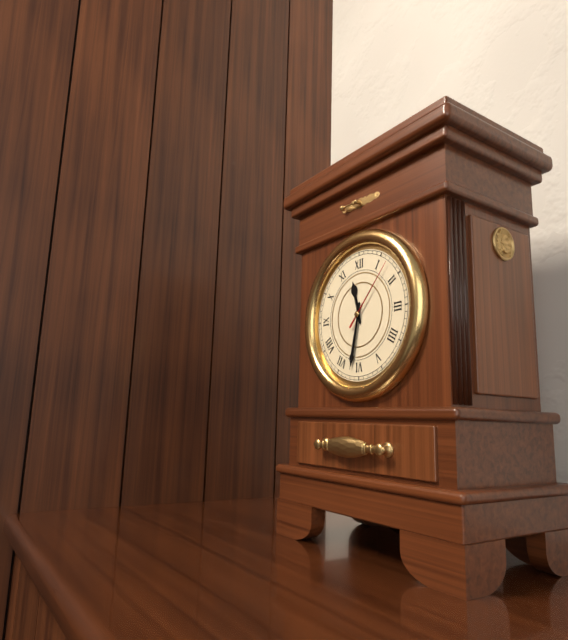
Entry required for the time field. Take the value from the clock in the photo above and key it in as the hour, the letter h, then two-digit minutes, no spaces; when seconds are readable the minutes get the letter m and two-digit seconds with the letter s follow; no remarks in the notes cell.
11h32m07s
